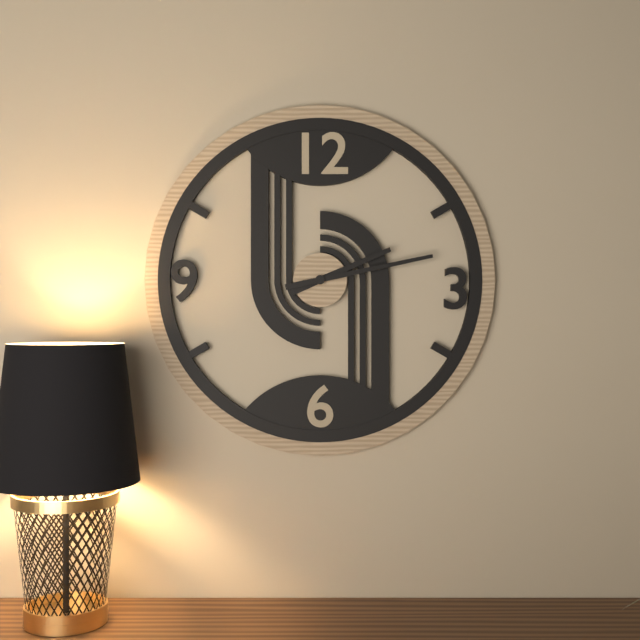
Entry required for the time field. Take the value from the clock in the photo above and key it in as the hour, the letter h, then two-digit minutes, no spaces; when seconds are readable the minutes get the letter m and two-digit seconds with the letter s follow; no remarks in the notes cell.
2h13
